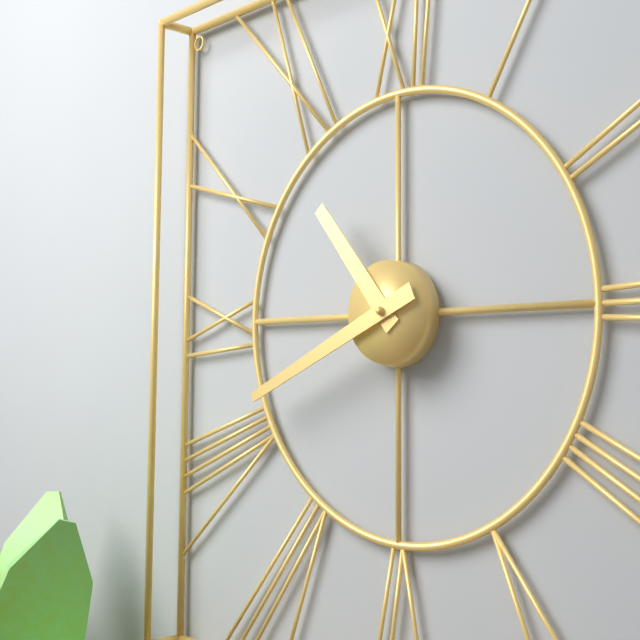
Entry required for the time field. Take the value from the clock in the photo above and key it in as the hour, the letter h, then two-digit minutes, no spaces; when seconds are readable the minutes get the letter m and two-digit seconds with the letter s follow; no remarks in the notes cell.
10h41
